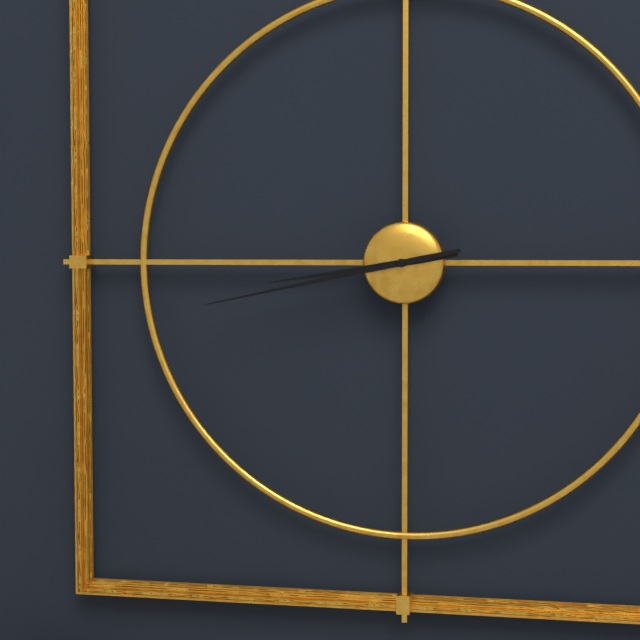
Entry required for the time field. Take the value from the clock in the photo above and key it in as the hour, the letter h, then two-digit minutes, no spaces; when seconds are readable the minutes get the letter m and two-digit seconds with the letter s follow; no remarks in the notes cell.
8h43
